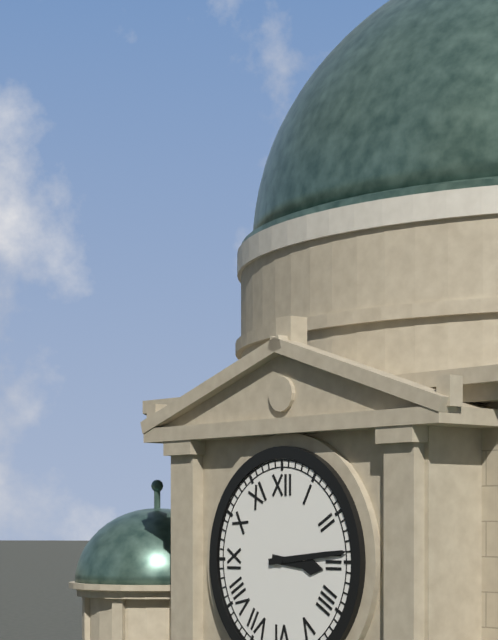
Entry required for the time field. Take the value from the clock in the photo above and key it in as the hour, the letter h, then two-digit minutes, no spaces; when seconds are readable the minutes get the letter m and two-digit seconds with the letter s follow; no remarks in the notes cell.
3h14
